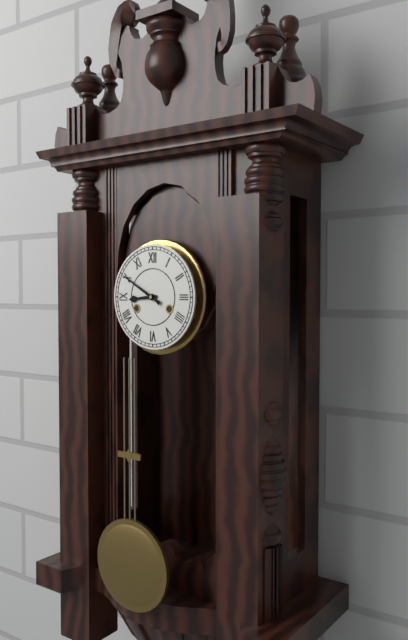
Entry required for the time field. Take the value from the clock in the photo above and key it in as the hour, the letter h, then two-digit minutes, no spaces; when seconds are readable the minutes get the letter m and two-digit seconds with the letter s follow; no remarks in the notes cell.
8h50
